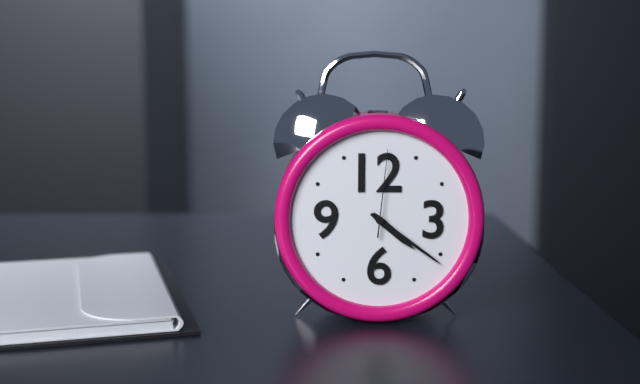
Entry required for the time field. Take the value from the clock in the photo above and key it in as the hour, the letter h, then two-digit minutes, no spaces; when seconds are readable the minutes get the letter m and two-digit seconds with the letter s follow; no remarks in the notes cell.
4h21m01s
